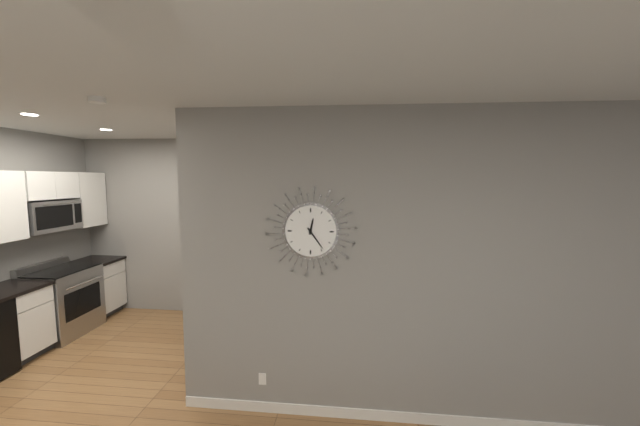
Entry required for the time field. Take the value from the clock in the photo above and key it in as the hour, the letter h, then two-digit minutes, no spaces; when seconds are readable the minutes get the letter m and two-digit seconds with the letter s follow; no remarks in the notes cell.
12h24
